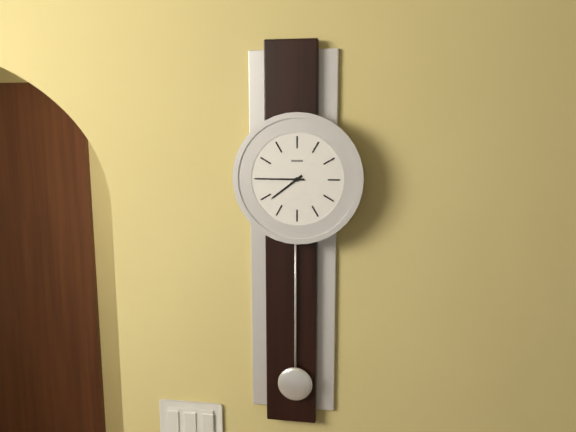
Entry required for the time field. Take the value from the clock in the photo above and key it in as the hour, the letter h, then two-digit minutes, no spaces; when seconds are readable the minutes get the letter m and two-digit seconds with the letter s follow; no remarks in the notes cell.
7h45
